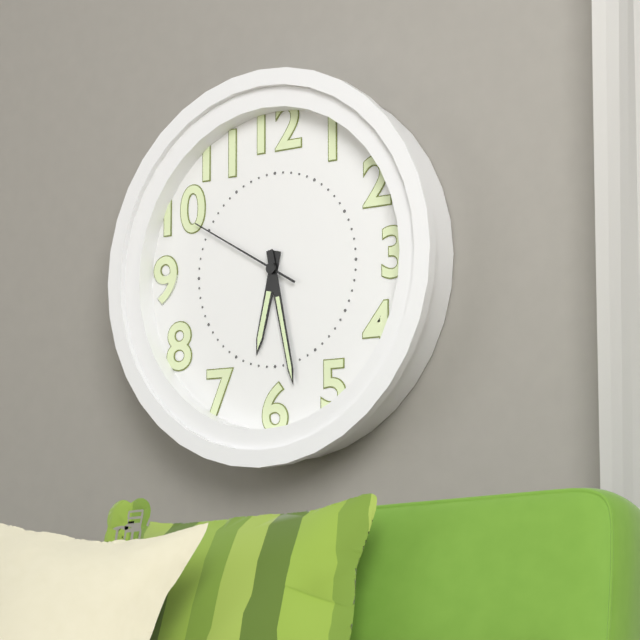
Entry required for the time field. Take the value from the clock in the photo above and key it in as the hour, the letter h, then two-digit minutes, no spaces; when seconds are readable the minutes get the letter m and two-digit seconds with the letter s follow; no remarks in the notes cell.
6h28m50s
